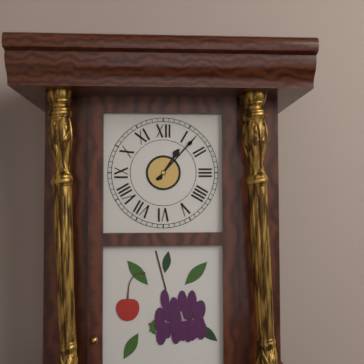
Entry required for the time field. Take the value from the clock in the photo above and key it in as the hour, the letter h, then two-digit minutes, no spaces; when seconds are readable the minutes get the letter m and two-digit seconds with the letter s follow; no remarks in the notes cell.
1h07
